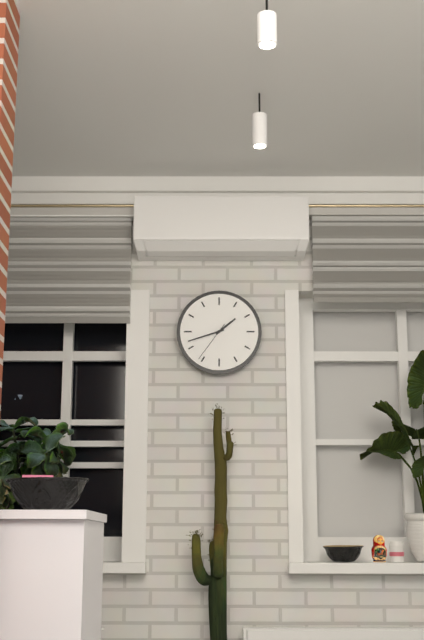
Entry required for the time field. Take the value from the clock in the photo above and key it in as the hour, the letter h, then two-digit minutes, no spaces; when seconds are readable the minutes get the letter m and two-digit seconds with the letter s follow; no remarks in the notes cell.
1h42
